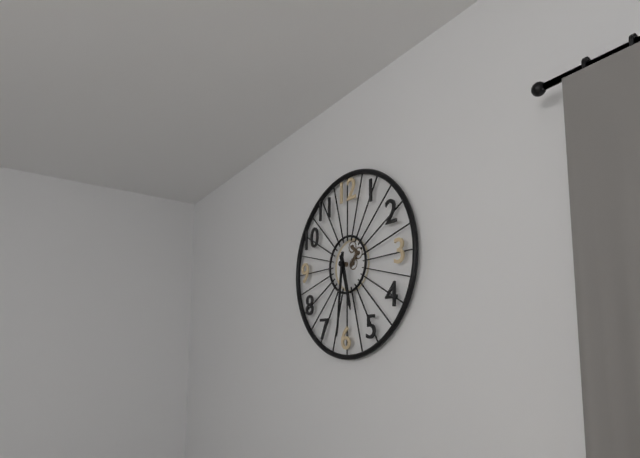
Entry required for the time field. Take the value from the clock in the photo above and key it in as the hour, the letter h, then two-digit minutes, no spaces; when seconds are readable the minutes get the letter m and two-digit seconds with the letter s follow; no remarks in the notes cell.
5h31
